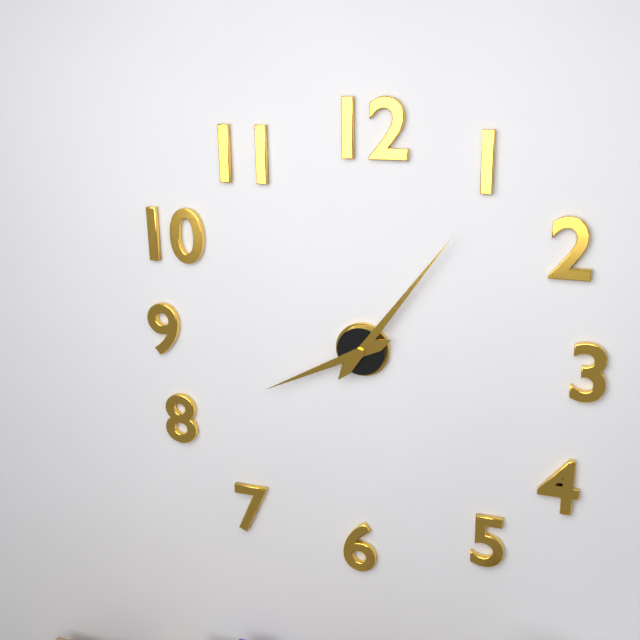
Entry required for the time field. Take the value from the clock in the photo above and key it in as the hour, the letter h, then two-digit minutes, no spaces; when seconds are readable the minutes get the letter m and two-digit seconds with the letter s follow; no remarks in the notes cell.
8h06
